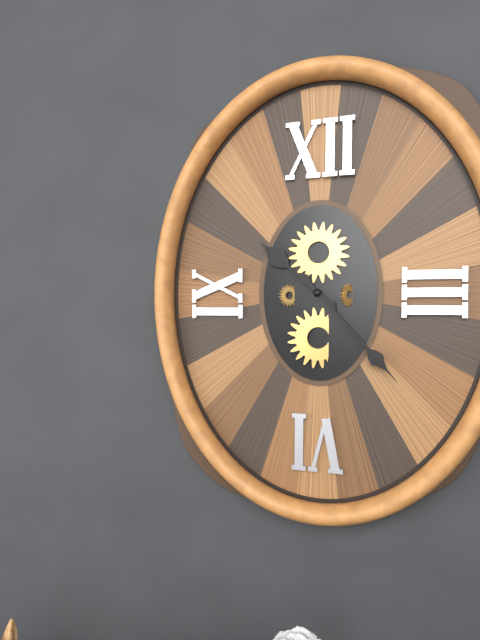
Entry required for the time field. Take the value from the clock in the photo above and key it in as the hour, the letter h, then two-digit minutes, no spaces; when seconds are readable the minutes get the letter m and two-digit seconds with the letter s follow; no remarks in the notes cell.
10h23
